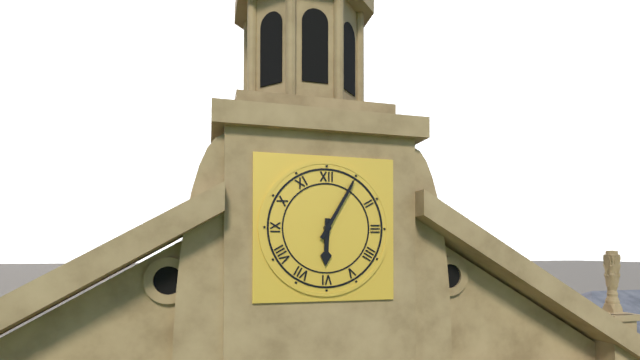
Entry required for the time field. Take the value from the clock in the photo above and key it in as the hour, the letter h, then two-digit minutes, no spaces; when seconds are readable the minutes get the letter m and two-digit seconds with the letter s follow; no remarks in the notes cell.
6h05
